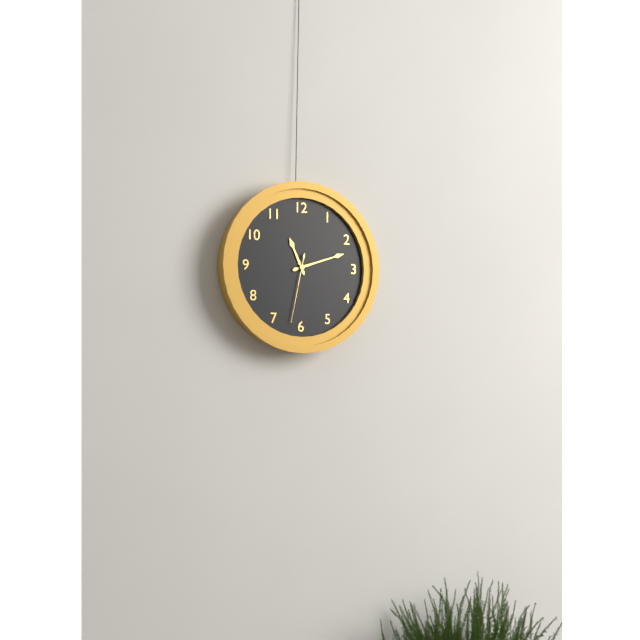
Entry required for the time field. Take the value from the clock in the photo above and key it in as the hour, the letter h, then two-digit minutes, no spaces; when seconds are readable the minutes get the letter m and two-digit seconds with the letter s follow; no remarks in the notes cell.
11h12m32s
